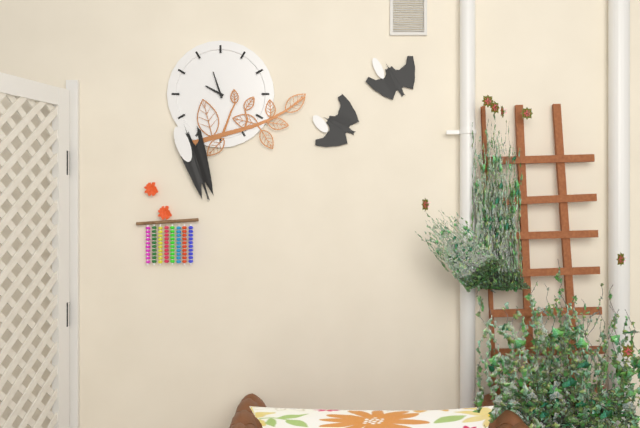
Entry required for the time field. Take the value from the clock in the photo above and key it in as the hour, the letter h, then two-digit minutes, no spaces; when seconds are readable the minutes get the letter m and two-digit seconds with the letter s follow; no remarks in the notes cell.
9h57
